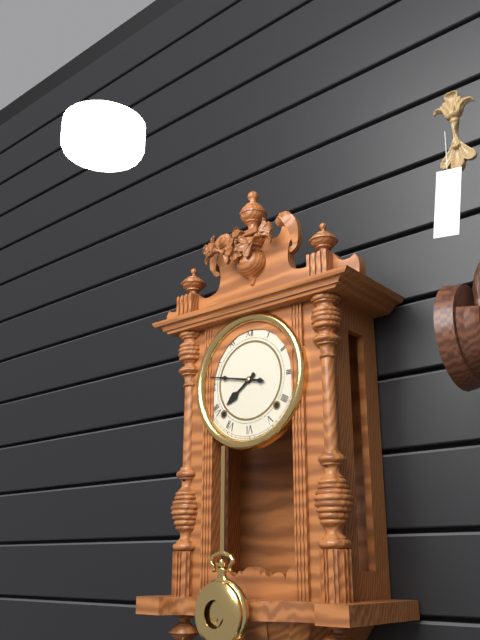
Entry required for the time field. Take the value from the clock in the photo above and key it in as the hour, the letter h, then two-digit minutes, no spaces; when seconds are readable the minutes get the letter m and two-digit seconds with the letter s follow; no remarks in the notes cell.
7h47
